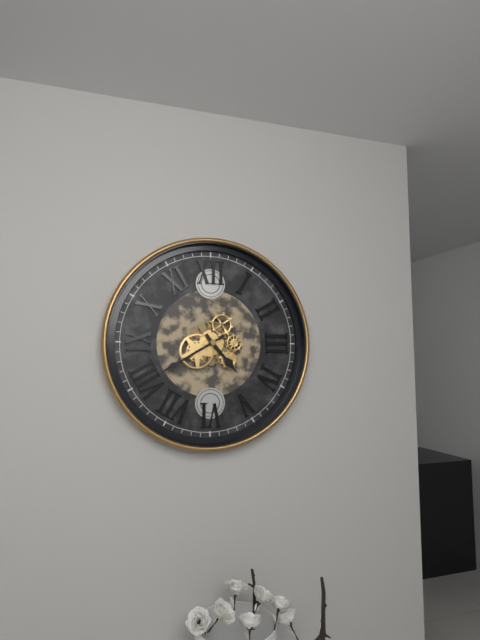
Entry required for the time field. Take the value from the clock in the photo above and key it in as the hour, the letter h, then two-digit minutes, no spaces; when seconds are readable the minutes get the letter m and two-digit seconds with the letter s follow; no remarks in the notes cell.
4h40
